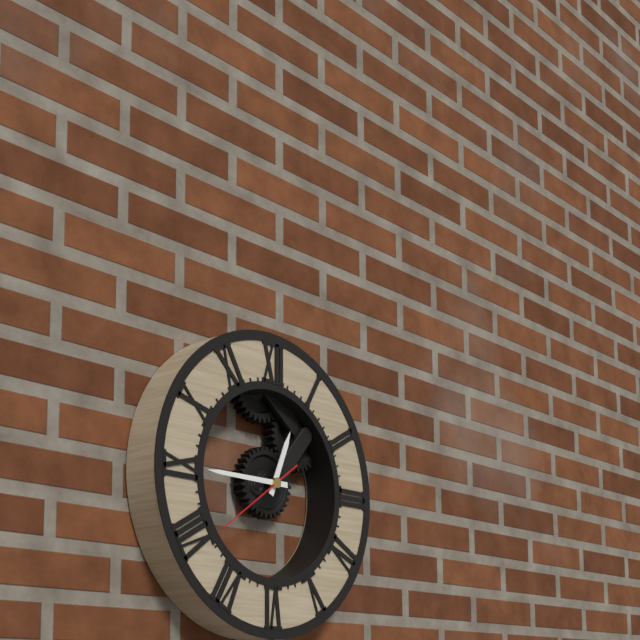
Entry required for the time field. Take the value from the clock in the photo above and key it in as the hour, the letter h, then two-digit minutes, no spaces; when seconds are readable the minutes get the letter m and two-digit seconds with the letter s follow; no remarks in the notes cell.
12h45m39s
